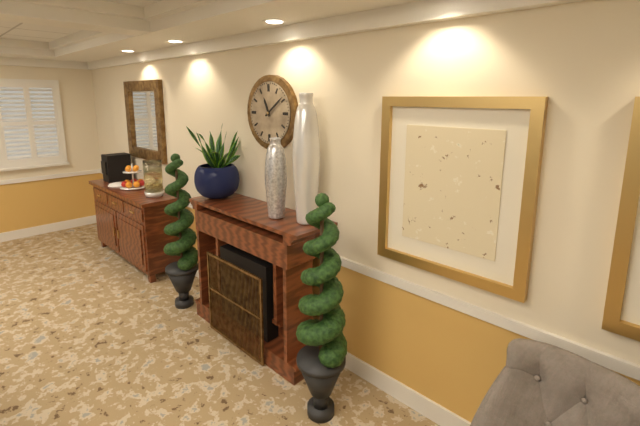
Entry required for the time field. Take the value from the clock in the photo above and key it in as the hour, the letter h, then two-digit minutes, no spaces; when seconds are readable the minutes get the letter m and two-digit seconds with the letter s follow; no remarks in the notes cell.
11h09
